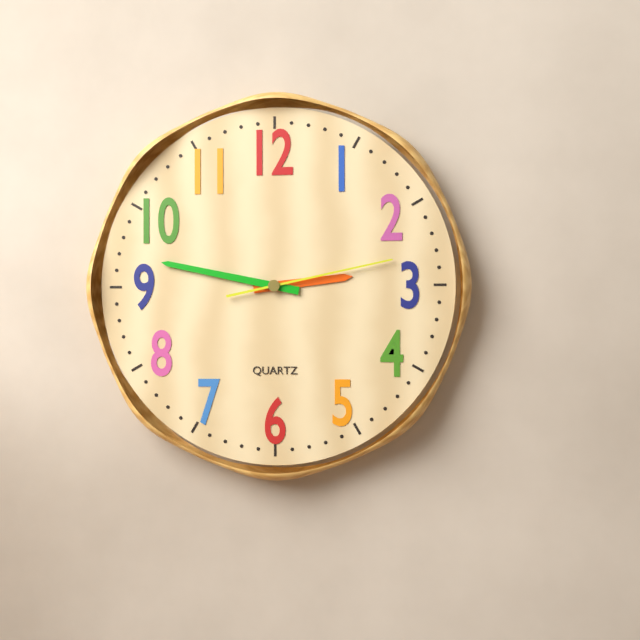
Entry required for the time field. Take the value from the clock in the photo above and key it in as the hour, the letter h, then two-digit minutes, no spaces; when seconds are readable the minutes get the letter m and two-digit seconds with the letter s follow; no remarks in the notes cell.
2h47m13s
